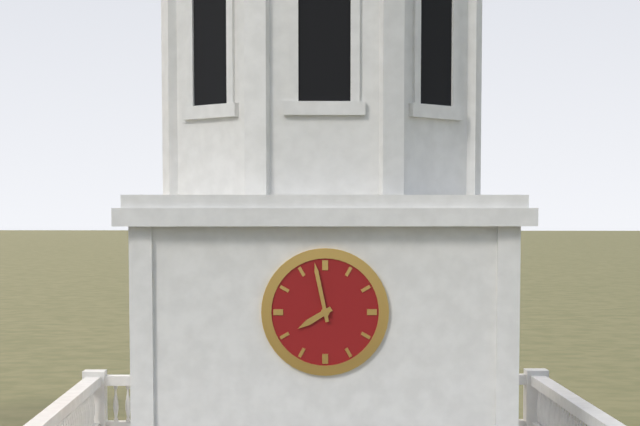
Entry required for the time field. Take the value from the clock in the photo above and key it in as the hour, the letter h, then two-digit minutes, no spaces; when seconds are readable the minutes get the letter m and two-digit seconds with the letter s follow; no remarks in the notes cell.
7h58
